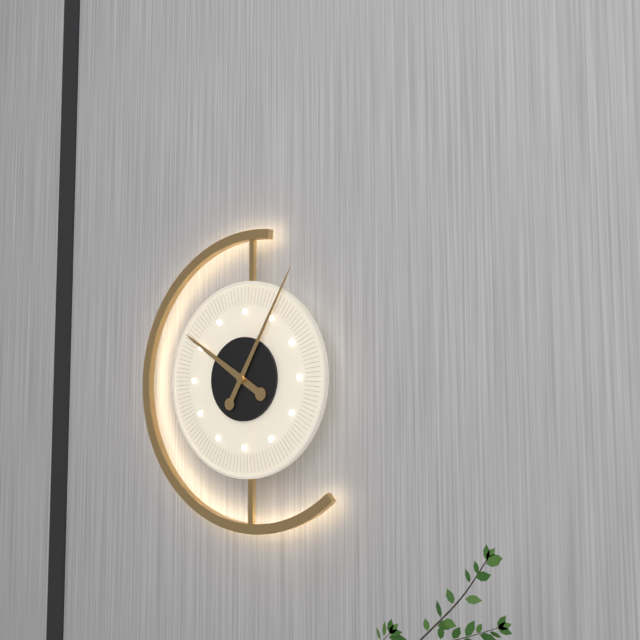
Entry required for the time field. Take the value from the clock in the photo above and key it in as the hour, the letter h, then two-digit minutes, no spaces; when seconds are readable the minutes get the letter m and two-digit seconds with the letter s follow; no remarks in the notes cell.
10h05
